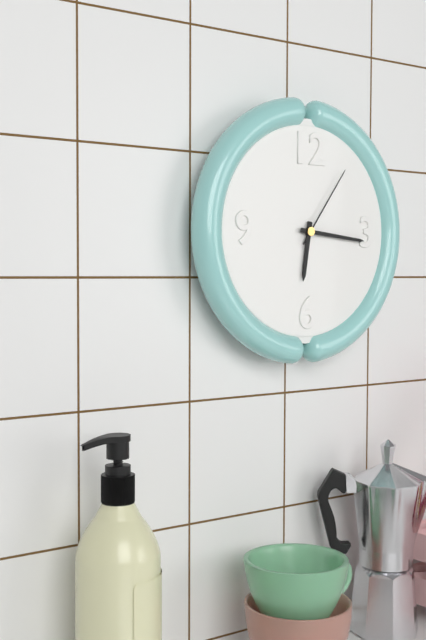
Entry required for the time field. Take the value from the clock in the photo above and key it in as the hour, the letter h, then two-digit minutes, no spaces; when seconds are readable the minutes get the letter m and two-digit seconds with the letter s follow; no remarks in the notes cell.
6h16m06s
